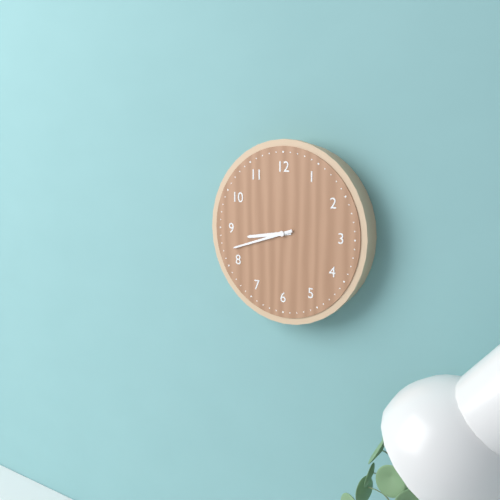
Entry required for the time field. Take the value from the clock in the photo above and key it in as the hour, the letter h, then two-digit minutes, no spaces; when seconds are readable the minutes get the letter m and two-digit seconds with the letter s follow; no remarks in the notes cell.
8h42
